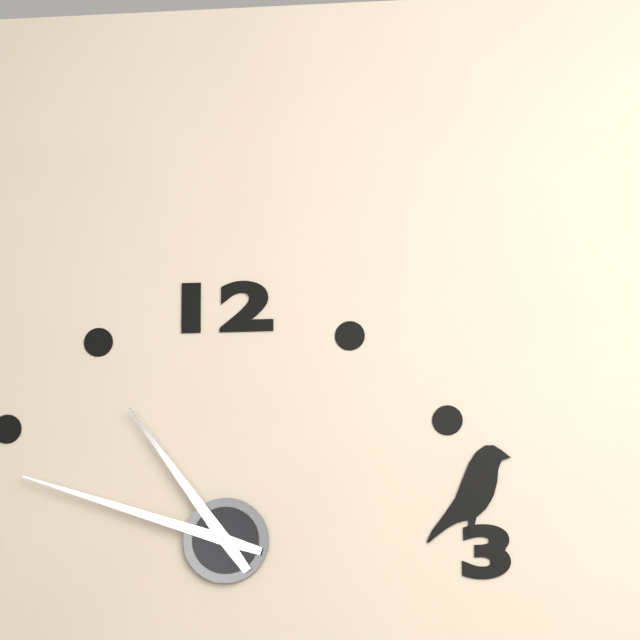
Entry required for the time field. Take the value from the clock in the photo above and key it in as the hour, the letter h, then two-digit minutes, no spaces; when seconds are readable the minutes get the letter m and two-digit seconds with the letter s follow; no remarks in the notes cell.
10h48
